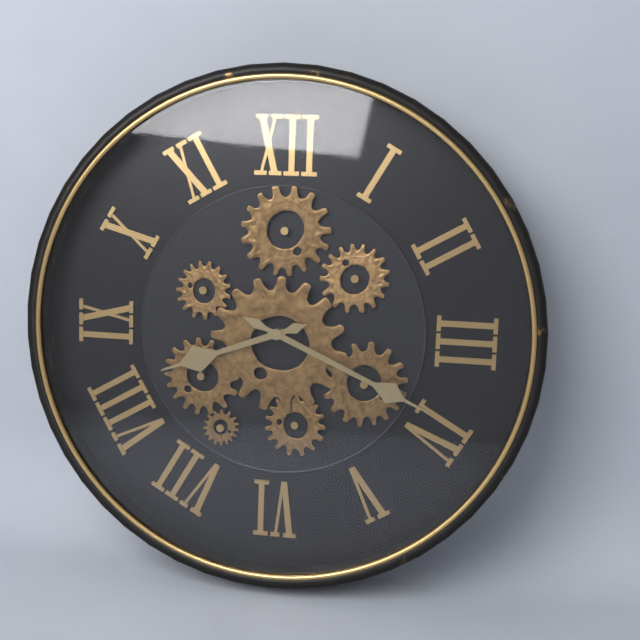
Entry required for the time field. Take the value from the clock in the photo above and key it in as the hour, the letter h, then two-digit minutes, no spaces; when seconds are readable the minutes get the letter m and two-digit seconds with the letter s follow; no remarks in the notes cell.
8h19
